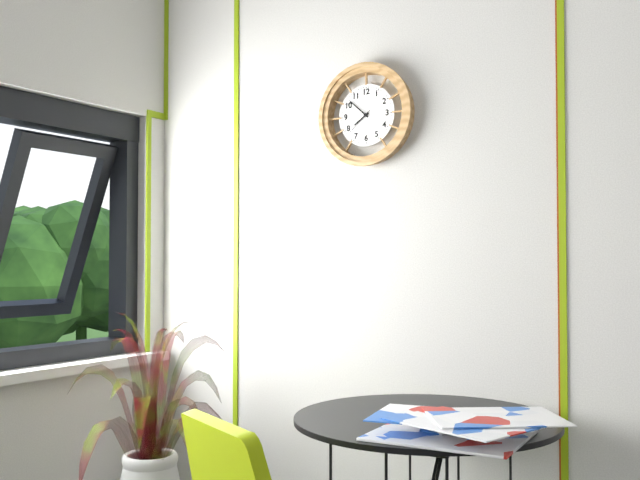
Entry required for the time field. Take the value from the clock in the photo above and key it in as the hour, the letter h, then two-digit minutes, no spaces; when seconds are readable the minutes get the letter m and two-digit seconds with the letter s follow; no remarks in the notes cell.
7h52
